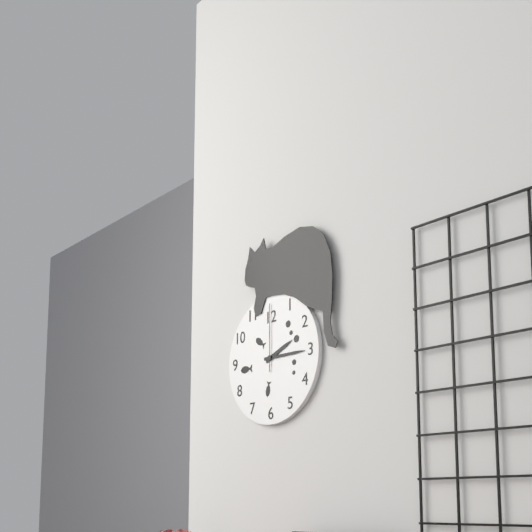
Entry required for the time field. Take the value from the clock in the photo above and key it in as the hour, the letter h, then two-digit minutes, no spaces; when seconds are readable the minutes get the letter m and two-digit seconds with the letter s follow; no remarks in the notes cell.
2h15m00s
